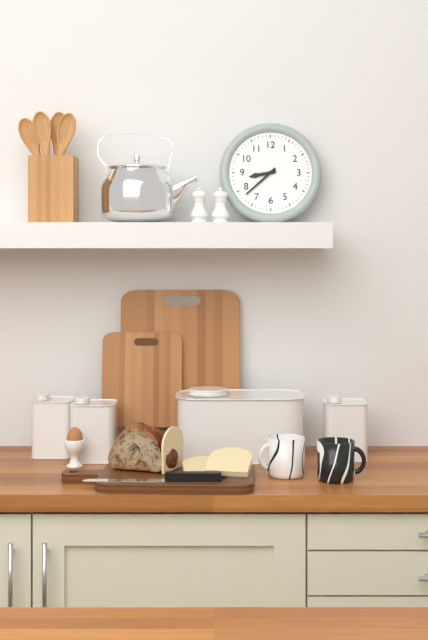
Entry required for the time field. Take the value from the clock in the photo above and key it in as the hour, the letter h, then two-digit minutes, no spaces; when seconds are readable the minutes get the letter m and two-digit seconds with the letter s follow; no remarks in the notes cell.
8h38
